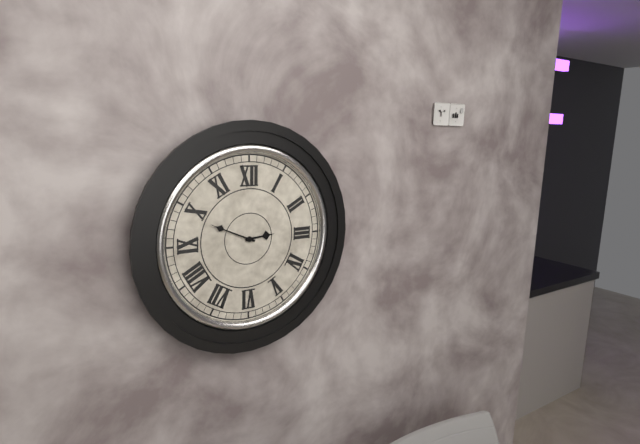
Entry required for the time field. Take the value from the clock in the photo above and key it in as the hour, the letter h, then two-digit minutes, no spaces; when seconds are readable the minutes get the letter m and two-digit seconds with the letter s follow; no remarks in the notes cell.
2h49
